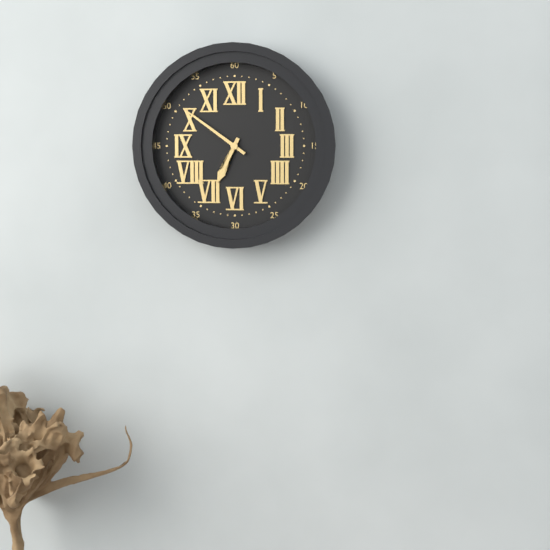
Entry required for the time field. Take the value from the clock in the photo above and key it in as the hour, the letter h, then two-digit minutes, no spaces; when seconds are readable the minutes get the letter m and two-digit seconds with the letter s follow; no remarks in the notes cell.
6h51
